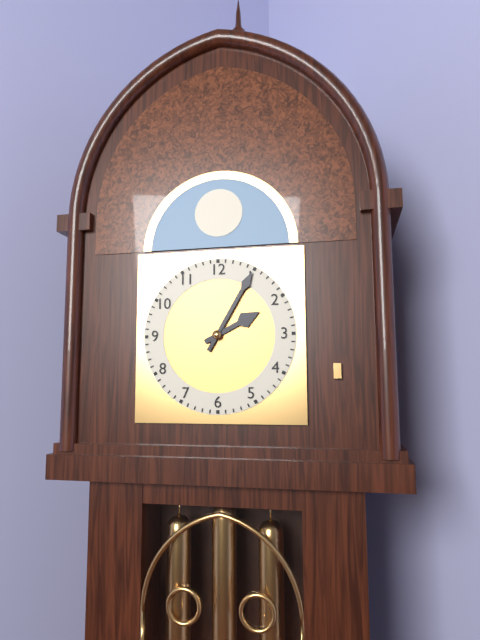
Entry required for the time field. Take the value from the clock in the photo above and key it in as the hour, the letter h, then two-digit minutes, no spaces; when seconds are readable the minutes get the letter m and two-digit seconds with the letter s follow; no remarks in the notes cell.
2h05
